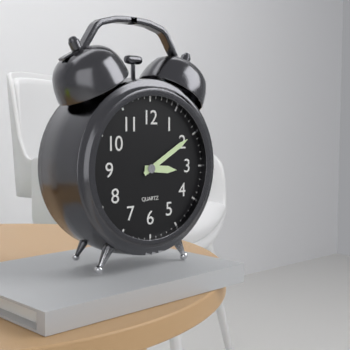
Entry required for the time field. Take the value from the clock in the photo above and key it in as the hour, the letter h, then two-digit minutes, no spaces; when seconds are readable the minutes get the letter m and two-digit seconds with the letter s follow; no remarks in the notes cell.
3h10
